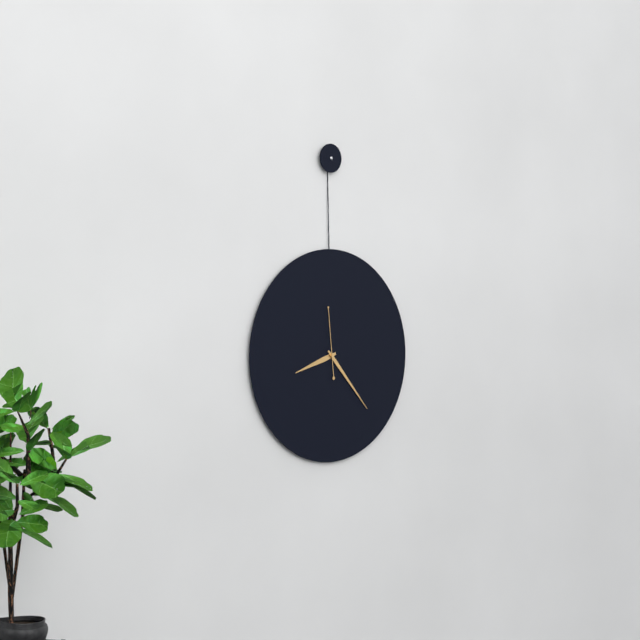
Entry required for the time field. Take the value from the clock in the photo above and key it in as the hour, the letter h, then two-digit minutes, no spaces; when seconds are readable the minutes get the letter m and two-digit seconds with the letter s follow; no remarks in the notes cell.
8h23m59s
